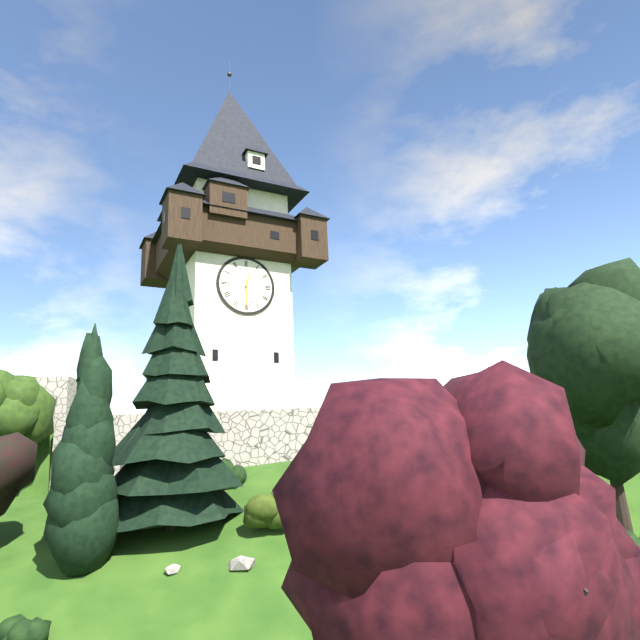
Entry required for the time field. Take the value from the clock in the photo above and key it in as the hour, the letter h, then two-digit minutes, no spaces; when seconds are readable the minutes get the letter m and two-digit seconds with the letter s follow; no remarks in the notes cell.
12h30
